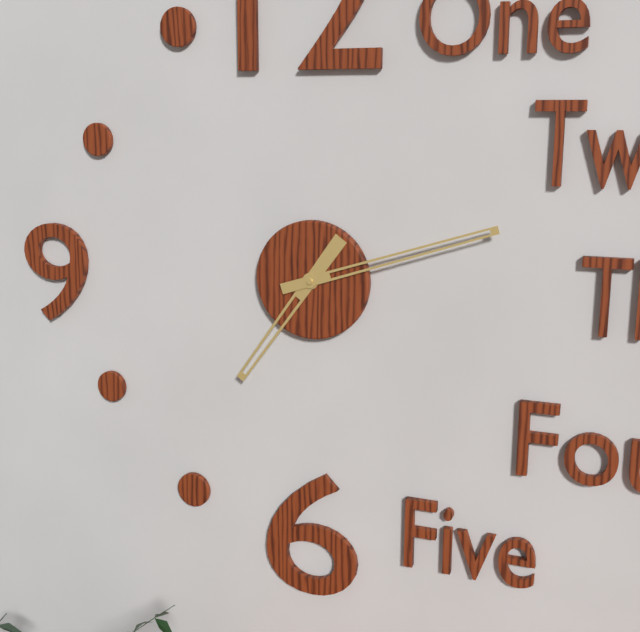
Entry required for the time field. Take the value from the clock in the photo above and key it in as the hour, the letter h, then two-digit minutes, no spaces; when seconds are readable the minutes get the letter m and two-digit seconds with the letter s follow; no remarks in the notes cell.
7h12
